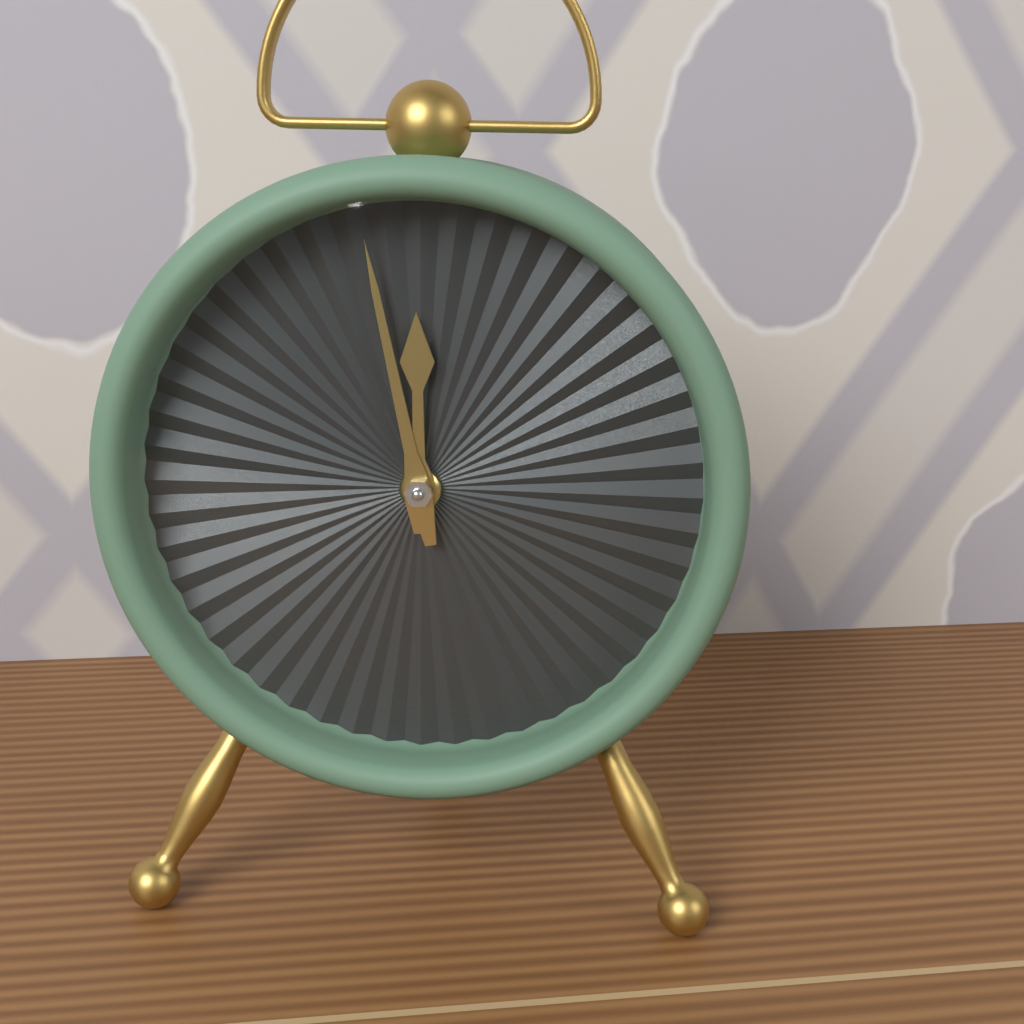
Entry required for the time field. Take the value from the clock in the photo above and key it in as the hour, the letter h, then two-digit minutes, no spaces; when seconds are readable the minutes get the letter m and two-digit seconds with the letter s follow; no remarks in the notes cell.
11h58
